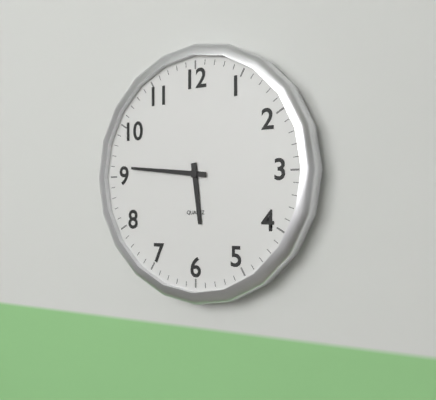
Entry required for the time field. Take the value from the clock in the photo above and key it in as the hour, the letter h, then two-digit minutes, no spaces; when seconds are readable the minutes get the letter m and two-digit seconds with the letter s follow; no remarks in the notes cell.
5h46
